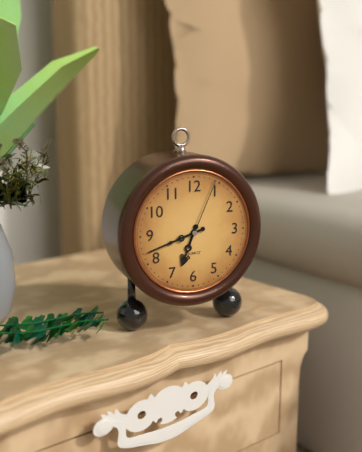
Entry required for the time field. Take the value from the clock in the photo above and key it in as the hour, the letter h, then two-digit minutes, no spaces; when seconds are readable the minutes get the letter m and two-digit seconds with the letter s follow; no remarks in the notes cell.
6h42m04s
